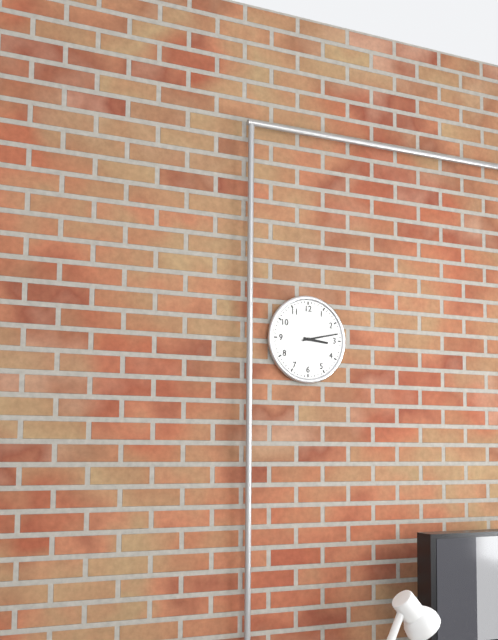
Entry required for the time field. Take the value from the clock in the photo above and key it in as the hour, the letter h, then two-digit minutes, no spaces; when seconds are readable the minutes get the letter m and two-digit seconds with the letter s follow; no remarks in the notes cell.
3h13
